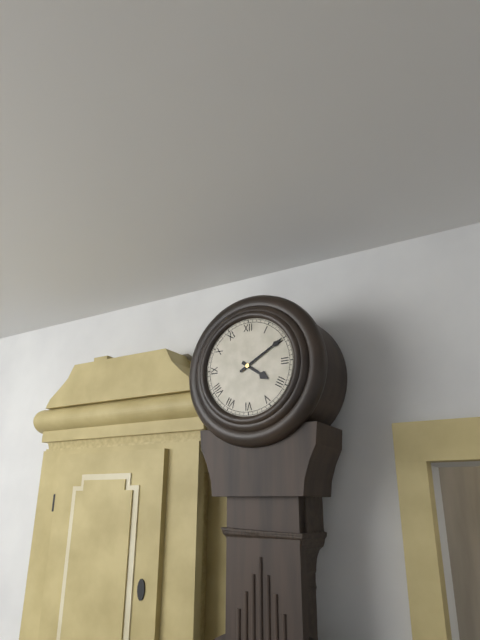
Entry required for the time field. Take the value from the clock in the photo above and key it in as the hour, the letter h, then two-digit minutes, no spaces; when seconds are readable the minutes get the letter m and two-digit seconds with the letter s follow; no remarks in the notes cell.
4h10
